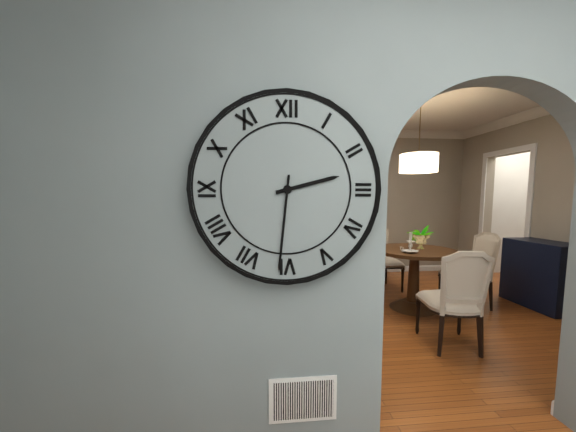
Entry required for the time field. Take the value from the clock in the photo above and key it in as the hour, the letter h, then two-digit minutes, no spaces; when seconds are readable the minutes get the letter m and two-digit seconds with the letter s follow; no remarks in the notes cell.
2h31
